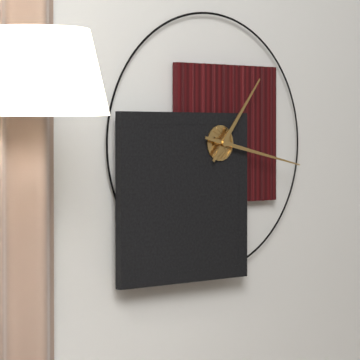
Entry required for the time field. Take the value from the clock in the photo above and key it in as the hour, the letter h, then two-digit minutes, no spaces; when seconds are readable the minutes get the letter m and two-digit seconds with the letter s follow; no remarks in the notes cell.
1h17
